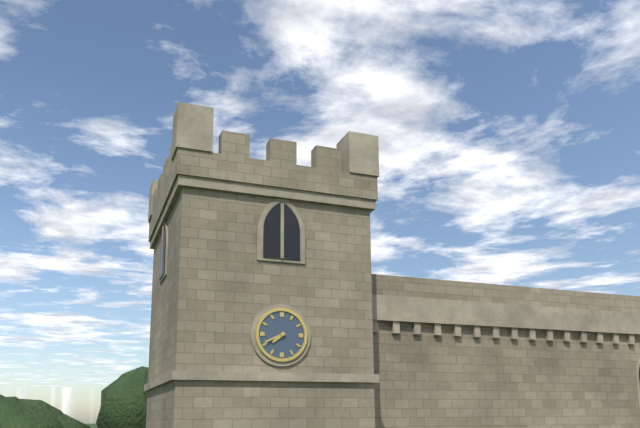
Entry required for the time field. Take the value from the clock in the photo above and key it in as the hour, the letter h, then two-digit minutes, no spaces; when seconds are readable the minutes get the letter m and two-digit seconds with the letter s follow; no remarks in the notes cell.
7h41
